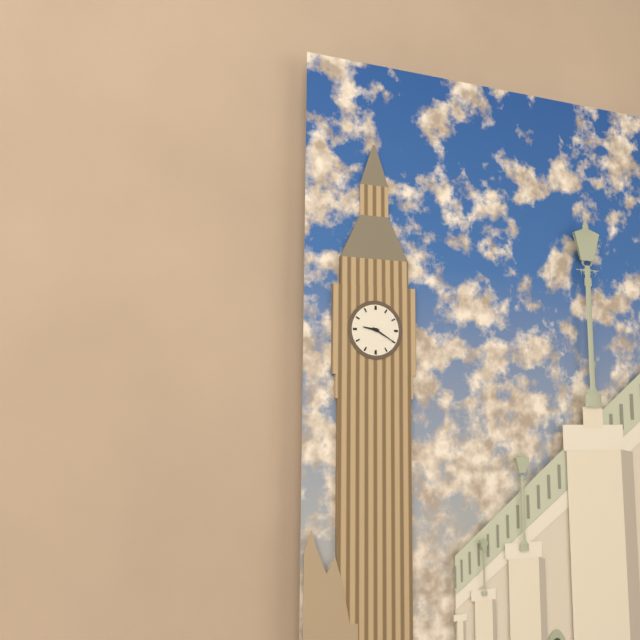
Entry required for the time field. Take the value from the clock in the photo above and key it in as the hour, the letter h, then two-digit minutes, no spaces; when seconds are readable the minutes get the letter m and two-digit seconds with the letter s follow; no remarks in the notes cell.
9h20
